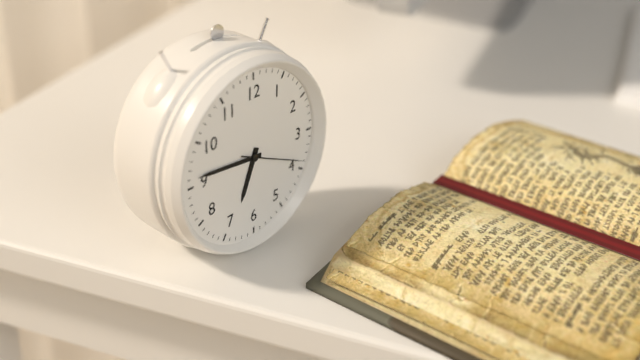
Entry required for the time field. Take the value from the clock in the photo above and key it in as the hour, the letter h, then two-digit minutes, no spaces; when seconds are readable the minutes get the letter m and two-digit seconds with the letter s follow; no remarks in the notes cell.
6h46m19s
